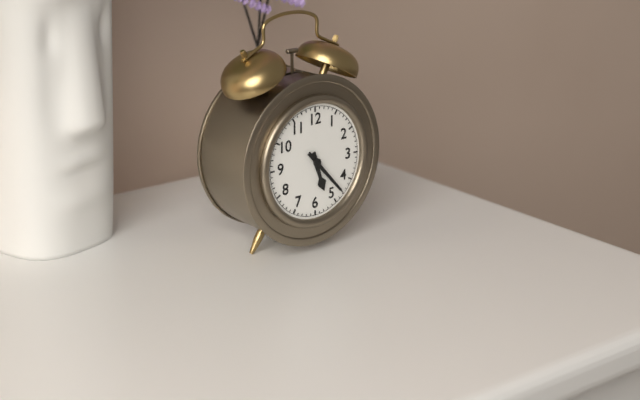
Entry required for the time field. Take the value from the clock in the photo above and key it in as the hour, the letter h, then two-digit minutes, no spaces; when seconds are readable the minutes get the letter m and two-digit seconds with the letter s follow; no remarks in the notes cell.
5h23
